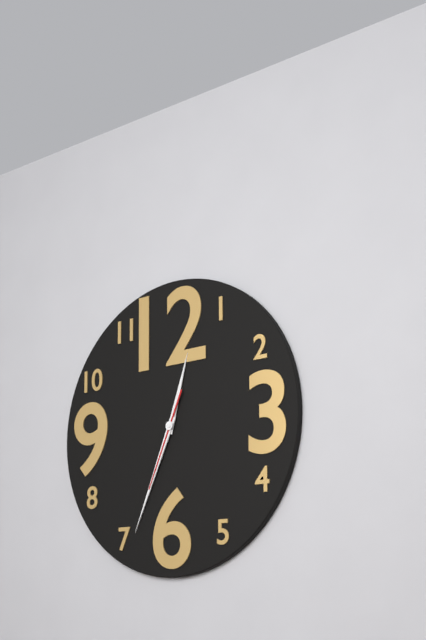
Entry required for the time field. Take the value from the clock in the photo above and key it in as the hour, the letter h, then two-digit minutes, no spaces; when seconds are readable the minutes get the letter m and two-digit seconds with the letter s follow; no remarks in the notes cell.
12h34m34s
